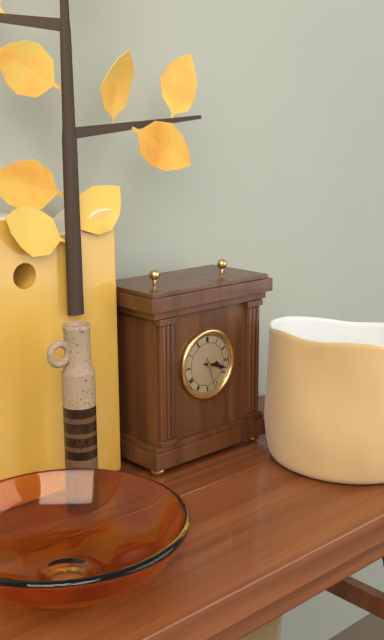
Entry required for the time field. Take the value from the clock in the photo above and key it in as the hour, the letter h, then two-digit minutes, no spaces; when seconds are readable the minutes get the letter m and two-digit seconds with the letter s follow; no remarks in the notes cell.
3h18
